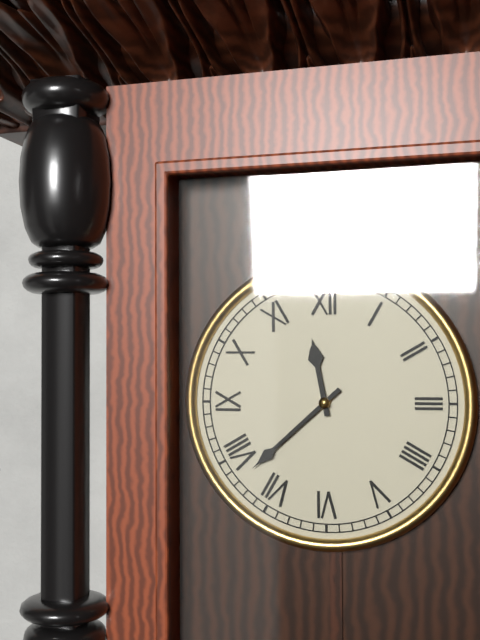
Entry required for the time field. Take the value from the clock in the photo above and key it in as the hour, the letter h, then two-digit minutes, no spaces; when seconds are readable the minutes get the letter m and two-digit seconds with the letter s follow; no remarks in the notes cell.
11h38
